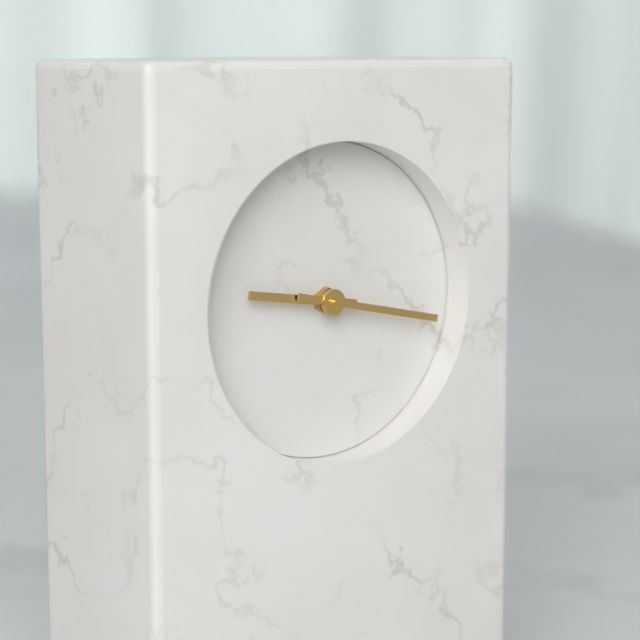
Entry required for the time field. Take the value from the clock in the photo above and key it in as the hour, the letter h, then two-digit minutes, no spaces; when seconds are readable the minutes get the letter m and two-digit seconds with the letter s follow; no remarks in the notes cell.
9h17
